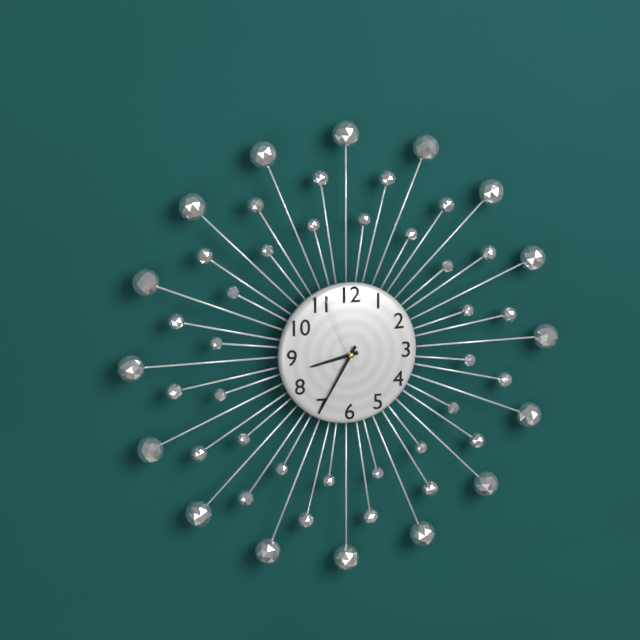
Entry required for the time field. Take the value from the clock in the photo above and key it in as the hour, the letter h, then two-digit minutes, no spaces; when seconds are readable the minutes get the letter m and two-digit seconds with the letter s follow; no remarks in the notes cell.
8h35m56s
